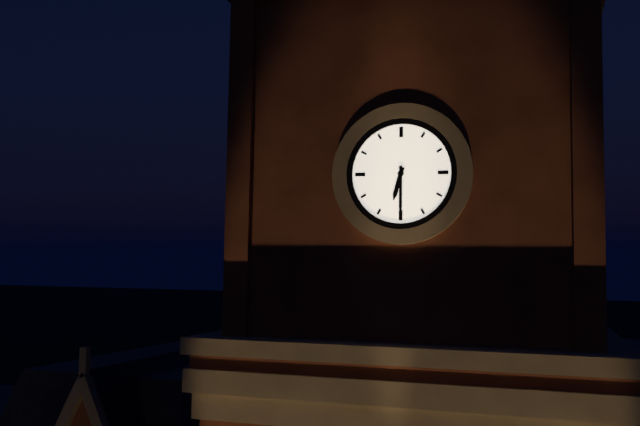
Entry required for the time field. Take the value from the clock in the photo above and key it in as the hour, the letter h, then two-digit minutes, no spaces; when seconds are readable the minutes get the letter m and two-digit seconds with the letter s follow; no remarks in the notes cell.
6h30
